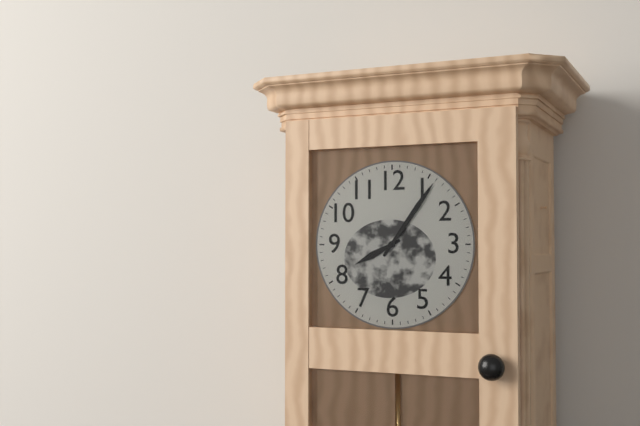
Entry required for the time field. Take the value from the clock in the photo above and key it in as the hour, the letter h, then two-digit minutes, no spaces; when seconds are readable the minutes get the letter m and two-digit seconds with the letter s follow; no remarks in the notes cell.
8h06
